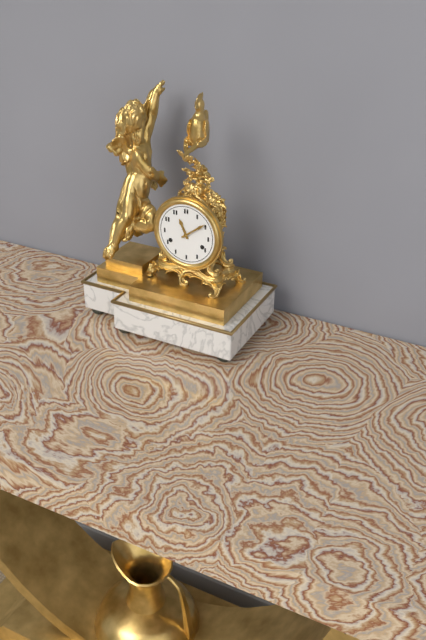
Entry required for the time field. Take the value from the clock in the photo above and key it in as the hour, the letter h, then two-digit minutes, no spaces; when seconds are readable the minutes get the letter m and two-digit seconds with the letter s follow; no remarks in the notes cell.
11h09
